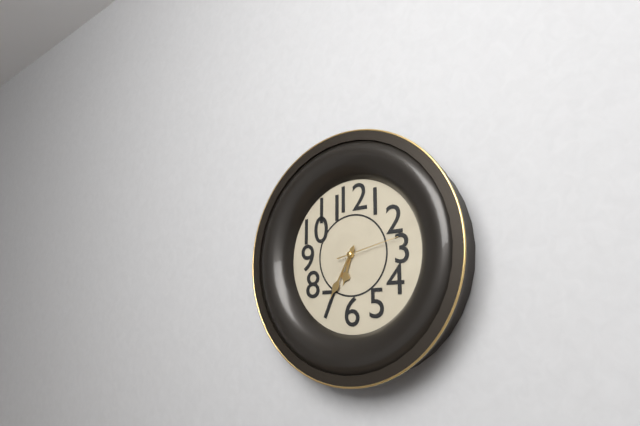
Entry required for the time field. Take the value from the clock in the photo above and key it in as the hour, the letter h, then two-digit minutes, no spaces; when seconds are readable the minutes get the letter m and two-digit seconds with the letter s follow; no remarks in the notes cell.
6h35m13s
